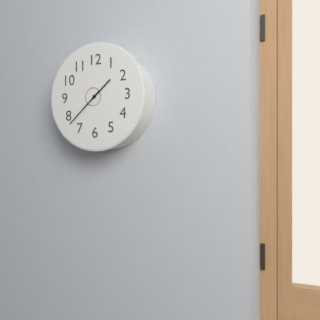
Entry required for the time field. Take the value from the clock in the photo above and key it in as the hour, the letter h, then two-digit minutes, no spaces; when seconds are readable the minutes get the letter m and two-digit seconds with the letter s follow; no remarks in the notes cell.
1h38
